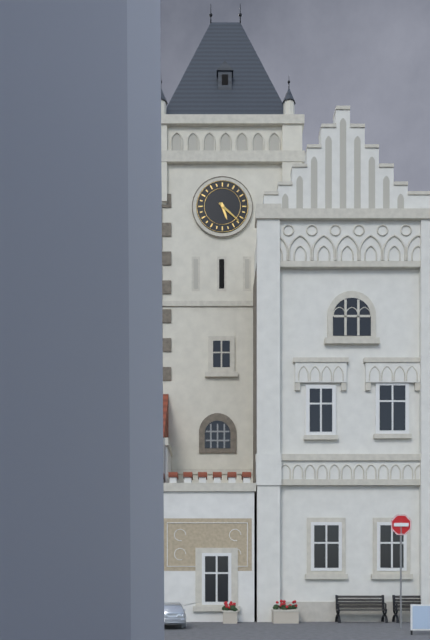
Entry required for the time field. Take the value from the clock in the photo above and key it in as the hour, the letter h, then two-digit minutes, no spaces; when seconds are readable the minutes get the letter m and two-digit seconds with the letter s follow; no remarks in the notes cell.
5h22
